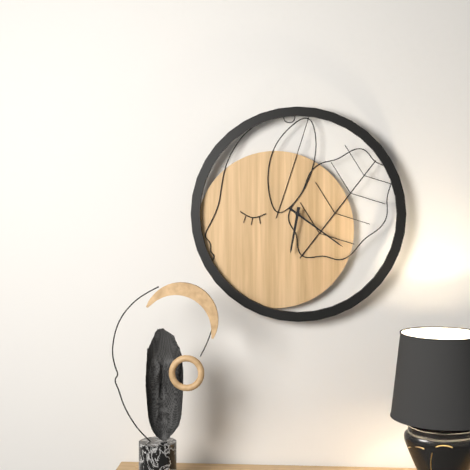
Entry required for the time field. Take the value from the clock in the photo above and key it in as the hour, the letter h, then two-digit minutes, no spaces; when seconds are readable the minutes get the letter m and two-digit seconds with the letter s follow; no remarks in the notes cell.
6h21
